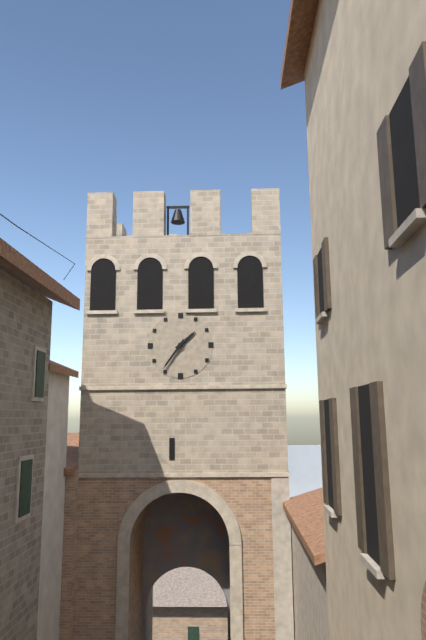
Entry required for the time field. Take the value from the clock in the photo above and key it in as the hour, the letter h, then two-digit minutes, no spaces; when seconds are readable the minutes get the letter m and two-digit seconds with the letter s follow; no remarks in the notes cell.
1h36
